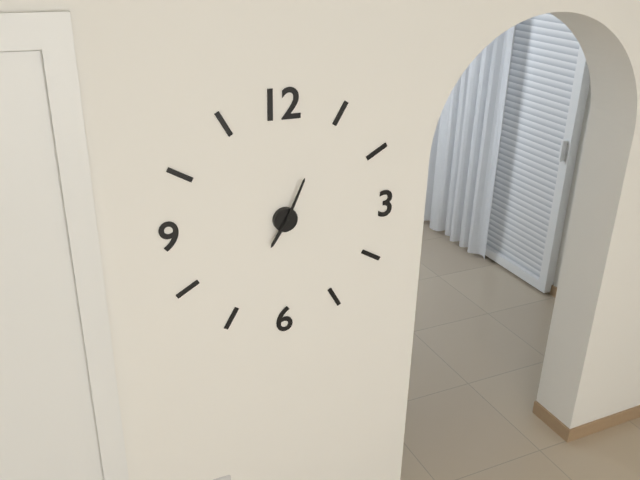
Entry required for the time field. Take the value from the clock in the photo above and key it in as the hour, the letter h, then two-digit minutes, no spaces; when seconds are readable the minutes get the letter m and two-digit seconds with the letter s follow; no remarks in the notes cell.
7h04
